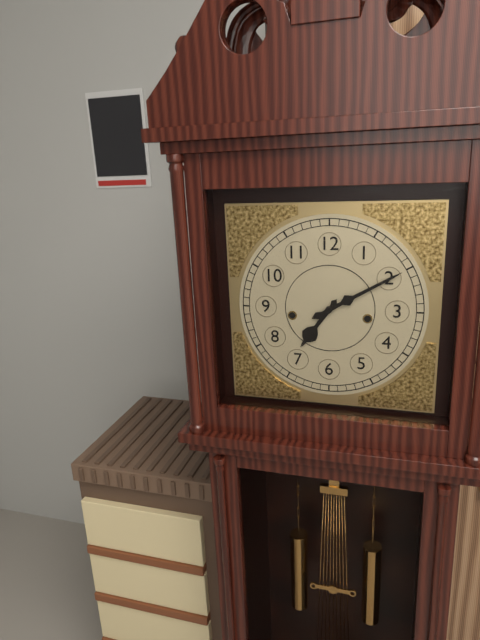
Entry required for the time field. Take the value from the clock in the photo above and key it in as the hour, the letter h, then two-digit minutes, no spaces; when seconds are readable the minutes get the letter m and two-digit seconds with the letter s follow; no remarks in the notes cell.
7h10
